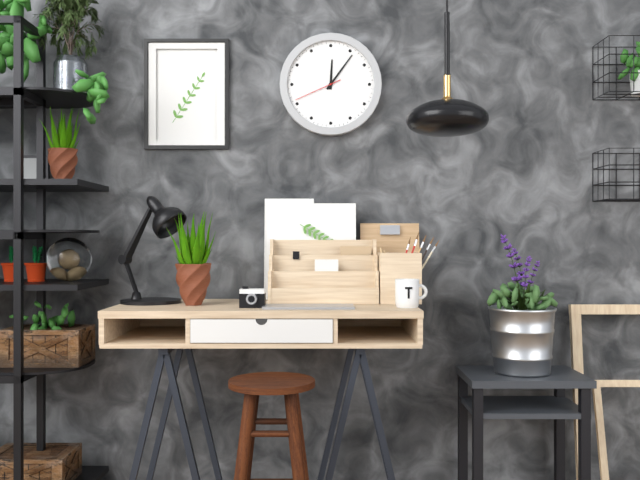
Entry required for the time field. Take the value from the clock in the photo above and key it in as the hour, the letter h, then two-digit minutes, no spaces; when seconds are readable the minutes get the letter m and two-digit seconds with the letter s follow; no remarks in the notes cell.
12h06
